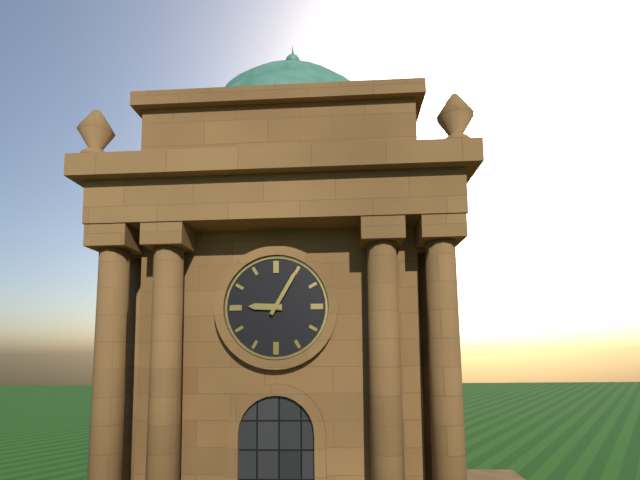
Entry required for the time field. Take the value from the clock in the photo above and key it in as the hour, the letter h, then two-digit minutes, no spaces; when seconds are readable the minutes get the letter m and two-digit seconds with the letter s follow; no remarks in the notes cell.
9h05
